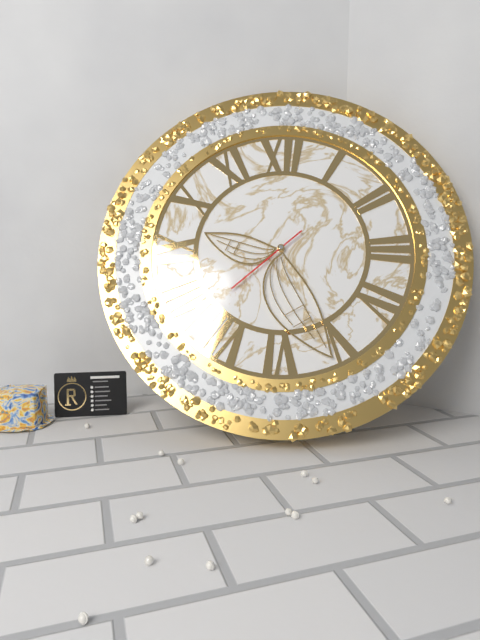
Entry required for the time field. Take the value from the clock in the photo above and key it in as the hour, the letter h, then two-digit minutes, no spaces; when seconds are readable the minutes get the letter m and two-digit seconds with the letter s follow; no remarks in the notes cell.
9h26m38s
